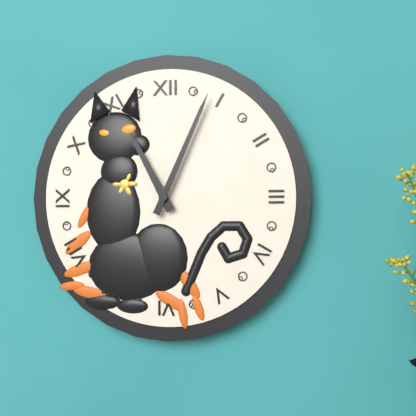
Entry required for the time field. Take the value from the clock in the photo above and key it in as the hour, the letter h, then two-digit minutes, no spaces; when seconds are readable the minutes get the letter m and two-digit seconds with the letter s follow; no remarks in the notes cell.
11h04
